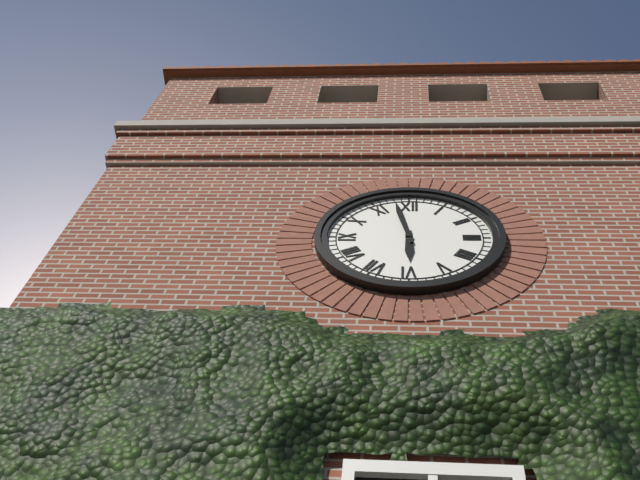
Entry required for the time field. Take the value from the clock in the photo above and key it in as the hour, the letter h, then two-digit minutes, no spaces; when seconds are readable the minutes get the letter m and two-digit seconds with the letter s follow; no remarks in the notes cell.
5h58
